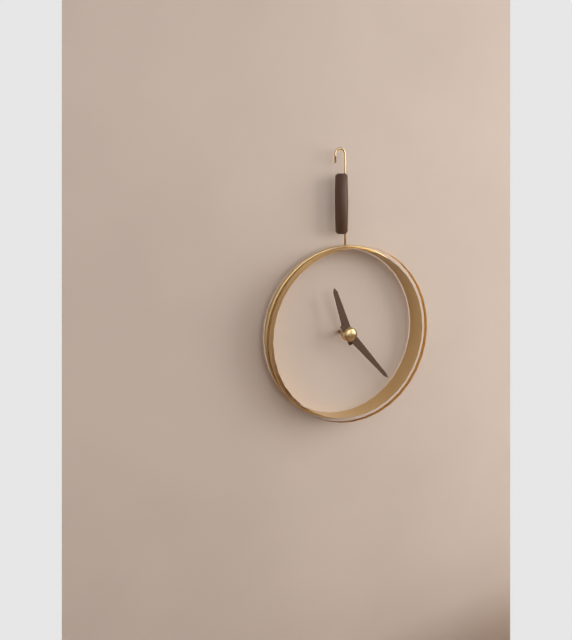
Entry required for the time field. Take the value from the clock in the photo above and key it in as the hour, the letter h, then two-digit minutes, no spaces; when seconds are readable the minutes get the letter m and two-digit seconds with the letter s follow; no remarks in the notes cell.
11h23
